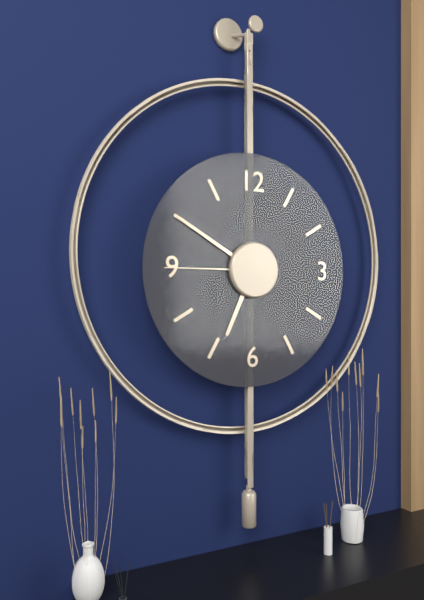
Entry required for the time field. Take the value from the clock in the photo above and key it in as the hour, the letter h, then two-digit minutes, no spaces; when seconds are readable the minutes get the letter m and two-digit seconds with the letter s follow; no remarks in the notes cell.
6h50m45s
